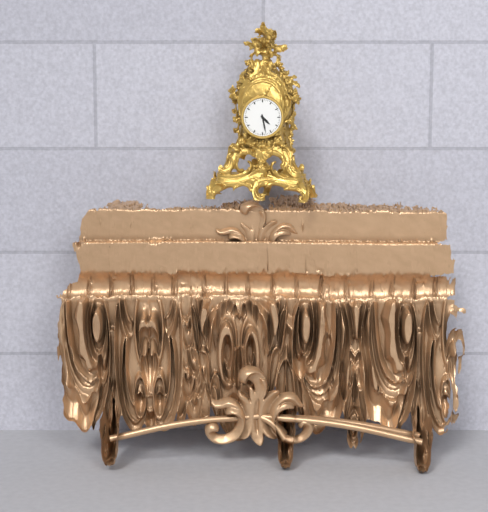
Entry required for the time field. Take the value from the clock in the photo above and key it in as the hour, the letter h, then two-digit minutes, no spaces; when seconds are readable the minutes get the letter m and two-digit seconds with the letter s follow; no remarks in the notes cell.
4h28
